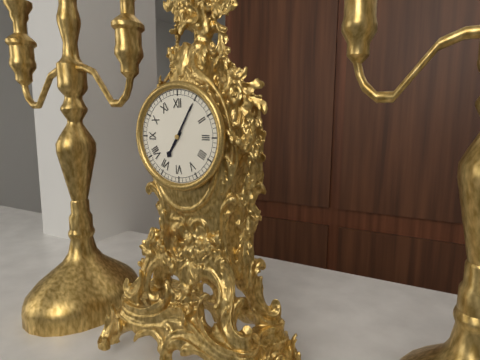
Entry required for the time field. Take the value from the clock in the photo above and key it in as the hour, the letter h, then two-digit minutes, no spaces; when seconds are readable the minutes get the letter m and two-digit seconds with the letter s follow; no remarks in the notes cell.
7h05
